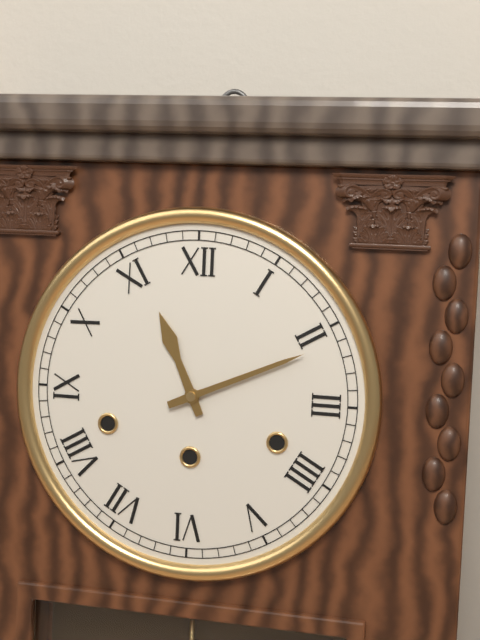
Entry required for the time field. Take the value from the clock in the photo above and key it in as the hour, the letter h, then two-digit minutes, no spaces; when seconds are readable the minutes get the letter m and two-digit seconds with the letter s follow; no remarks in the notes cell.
11h11
